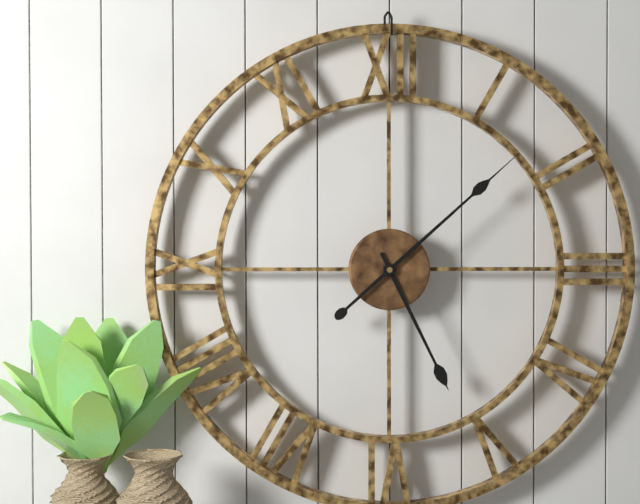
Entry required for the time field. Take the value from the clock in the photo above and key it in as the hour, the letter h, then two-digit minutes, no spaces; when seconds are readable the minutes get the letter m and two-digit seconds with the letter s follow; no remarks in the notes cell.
5h08
